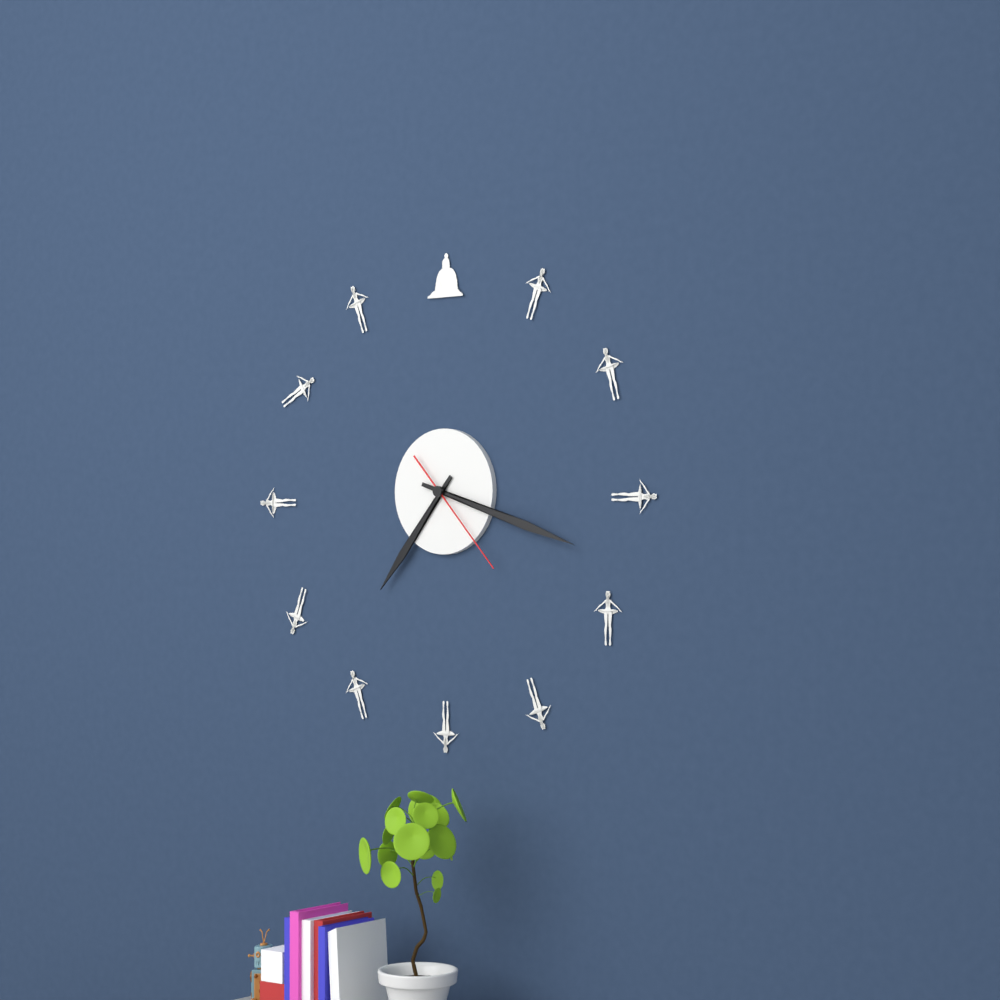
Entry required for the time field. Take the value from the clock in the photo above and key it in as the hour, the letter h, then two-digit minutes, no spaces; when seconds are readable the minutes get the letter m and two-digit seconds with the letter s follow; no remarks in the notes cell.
7h18m23s
